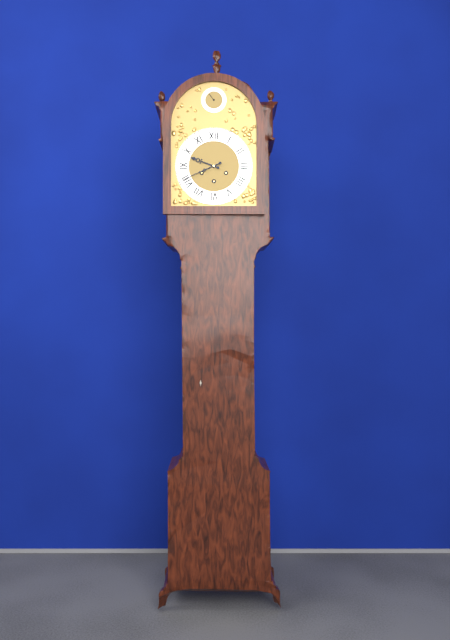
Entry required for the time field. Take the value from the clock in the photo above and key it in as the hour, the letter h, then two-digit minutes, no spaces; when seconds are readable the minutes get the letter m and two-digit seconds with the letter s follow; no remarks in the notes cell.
9h41
